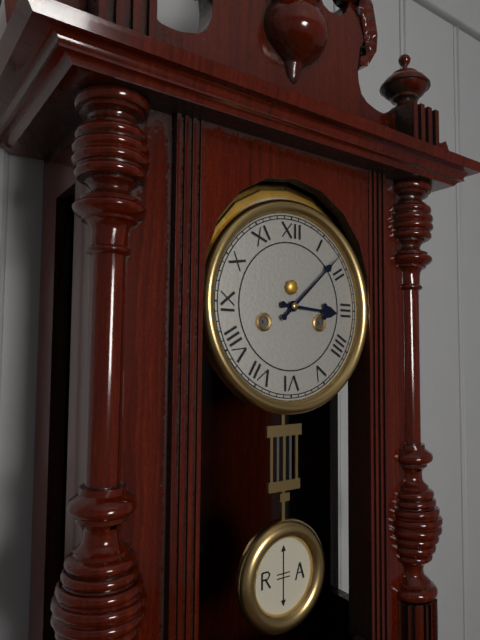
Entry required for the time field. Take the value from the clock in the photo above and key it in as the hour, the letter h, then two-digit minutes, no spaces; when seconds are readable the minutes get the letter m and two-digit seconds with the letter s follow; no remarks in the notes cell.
3h08
